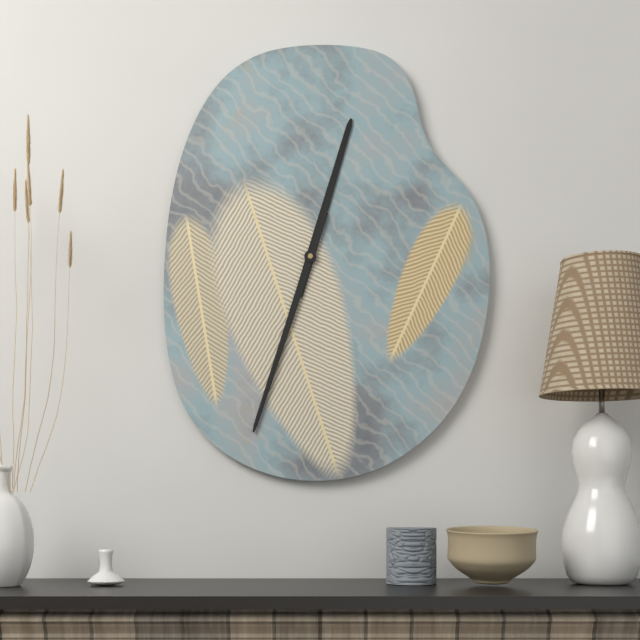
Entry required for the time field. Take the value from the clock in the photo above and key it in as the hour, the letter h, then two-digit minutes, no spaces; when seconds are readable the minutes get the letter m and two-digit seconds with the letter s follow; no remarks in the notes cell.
12h33
